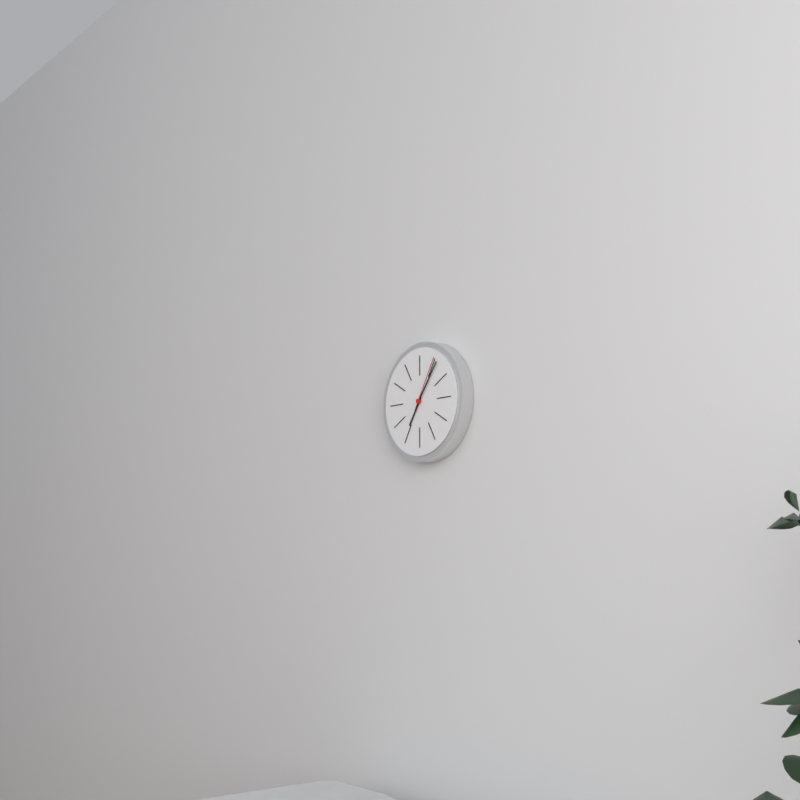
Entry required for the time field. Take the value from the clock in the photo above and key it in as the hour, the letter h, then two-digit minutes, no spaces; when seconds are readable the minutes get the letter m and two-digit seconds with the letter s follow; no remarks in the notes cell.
7h06m05s
